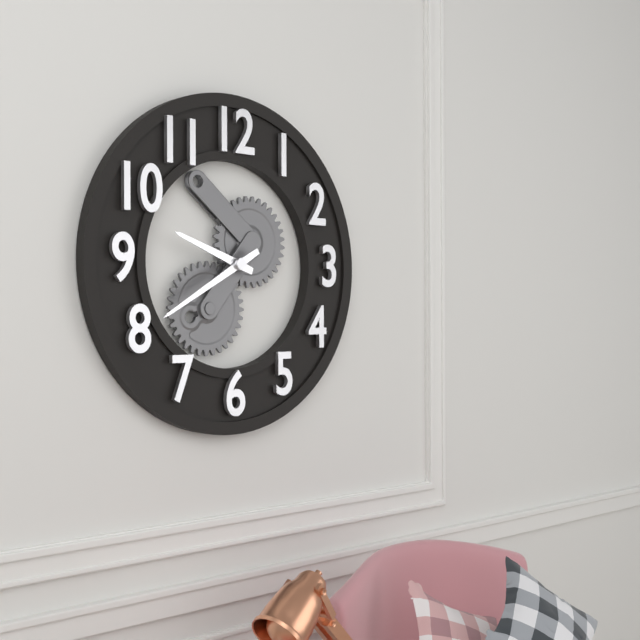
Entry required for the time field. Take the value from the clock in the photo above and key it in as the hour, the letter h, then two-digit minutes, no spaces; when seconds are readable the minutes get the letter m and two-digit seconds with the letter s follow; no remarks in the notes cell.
9h40
